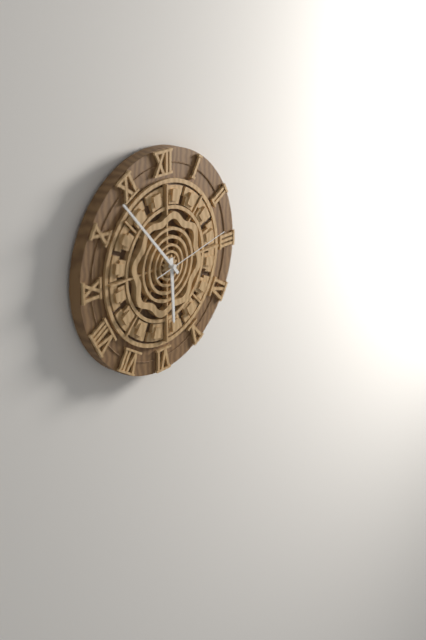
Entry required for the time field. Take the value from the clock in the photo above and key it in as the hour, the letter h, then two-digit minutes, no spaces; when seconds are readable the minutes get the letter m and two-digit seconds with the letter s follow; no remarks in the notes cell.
5h53m13s
